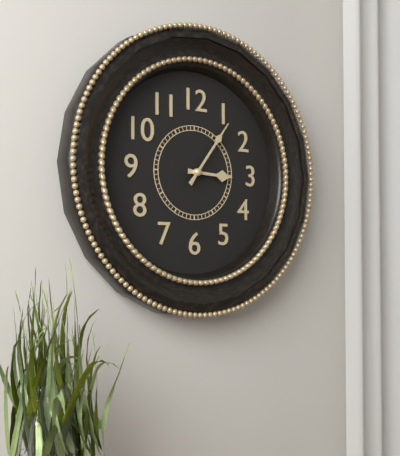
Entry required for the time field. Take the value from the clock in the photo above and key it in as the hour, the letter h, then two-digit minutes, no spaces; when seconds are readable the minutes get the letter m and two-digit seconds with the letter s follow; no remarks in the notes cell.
3h06
